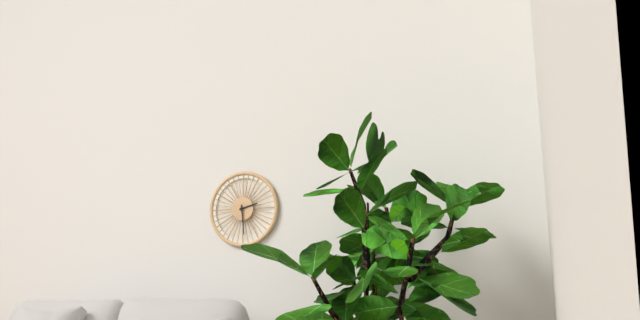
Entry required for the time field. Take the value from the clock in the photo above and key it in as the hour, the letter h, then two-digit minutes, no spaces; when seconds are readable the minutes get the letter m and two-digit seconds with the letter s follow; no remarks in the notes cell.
2h29
